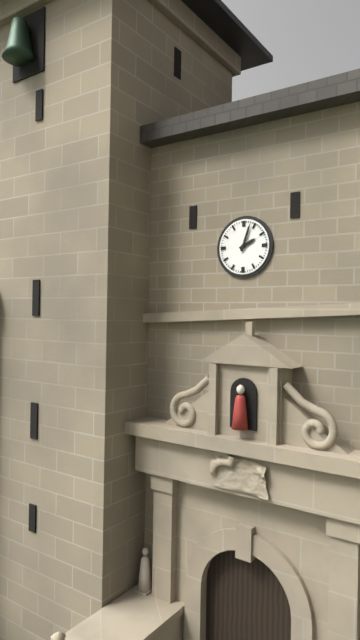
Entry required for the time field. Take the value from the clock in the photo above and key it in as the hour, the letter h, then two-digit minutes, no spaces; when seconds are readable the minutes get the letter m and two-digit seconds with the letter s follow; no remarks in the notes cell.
2h03
